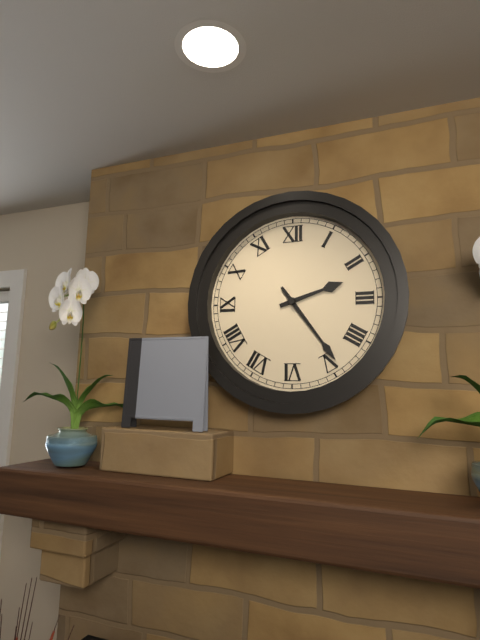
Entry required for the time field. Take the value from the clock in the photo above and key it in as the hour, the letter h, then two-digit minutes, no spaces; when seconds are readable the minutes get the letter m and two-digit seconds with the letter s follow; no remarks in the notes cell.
2h24
